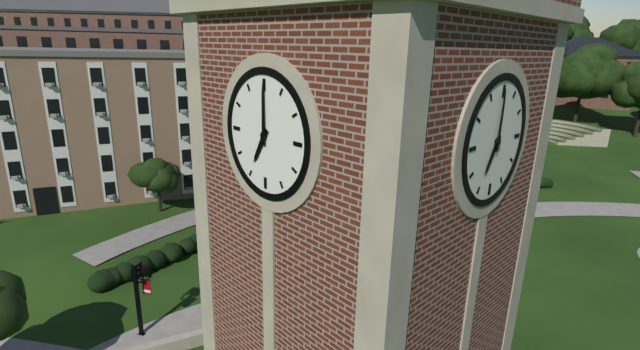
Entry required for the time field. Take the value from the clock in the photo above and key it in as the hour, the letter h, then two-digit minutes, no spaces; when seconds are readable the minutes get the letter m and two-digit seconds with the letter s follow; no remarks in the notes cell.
7h00
